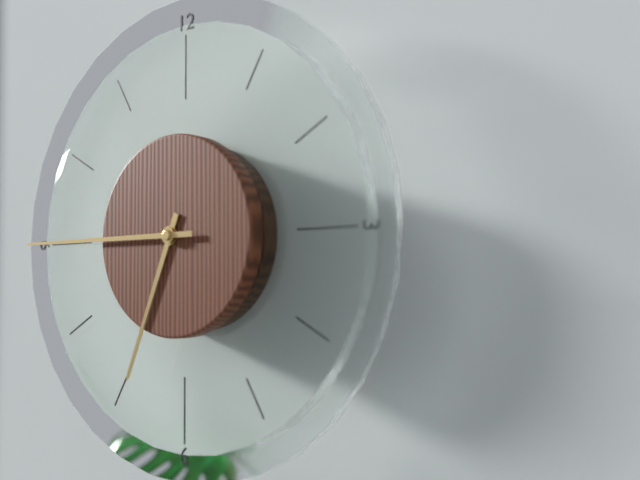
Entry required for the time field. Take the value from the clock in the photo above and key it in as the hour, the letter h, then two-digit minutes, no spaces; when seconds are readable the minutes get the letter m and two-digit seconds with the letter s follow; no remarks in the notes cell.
6h45
